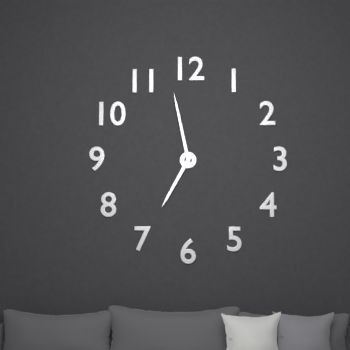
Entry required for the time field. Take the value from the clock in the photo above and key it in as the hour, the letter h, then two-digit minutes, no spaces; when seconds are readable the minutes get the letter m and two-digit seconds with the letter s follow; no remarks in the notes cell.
6h58
